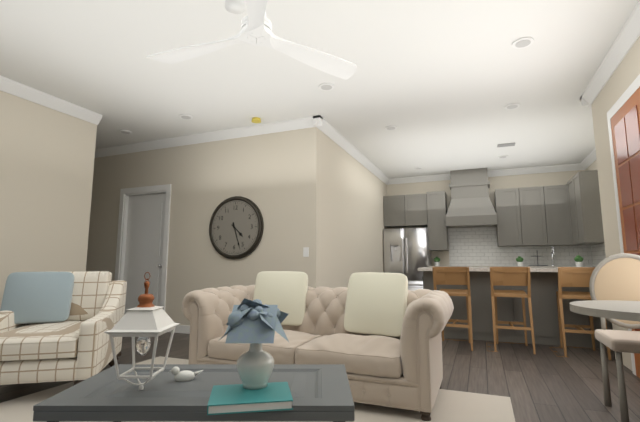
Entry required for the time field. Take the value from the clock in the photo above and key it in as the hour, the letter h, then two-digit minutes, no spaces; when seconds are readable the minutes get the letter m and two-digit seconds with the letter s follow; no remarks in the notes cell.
4h27
